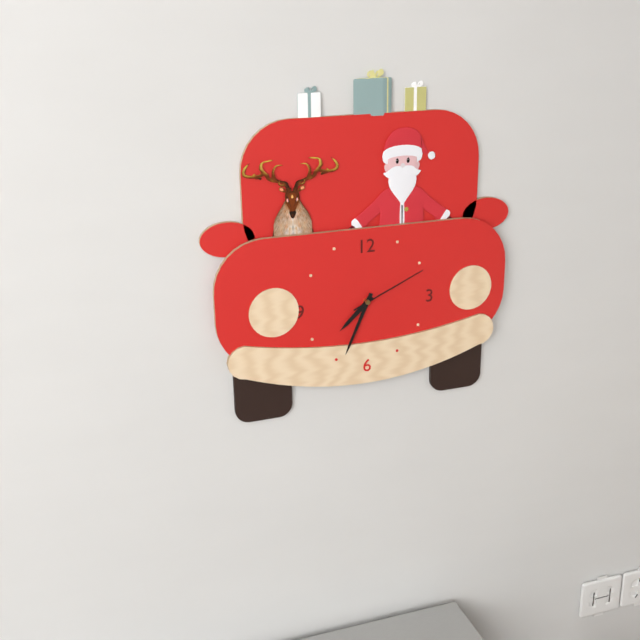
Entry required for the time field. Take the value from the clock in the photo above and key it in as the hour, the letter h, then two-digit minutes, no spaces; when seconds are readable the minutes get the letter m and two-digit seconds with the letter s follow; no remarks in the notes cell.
7h34m11s
